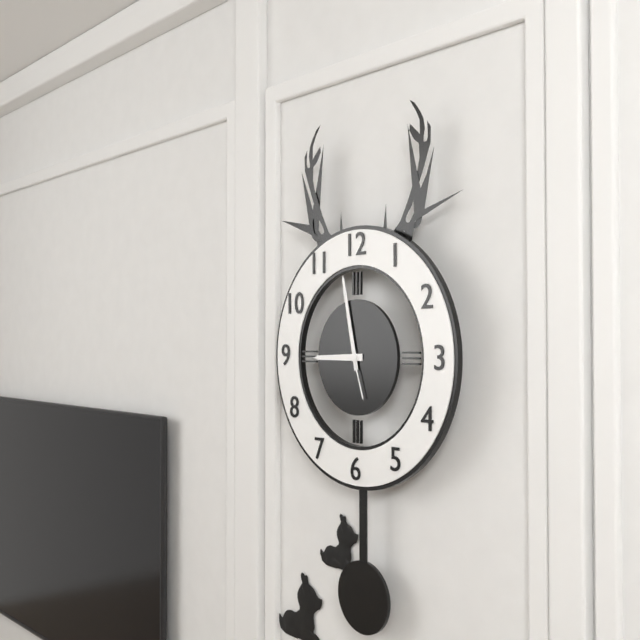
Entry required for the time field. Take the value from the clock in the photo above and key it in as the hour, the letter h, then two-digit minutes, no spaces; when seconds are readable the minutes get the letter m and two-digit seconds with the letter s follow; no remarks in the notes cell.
8h58m27s
